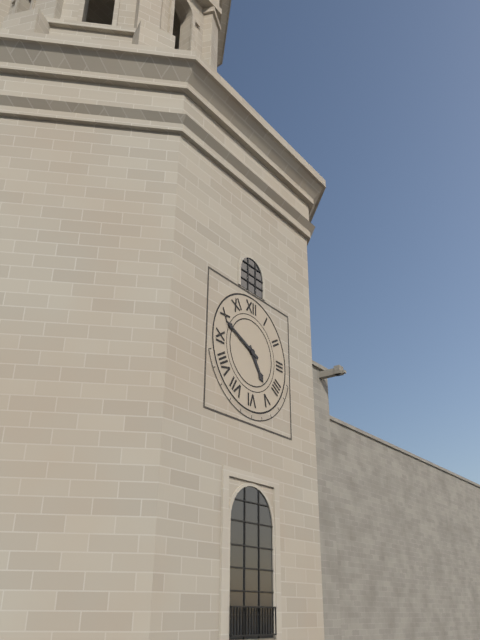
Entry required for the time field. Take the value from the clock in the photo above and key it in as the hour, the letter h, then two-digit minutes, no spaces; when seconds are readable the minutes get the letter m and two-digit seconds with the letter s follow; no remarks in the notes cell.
4h49
